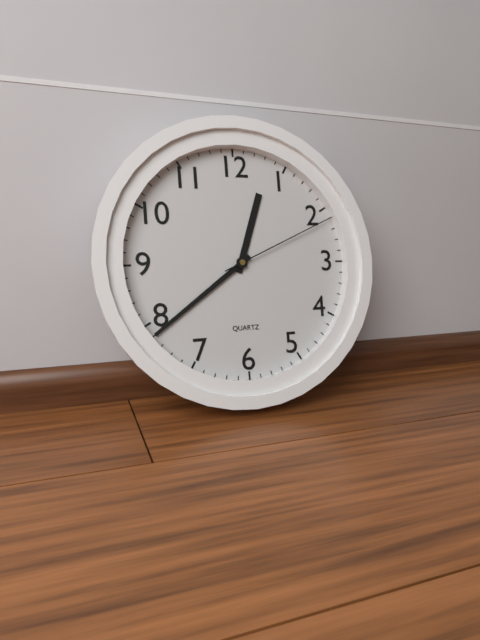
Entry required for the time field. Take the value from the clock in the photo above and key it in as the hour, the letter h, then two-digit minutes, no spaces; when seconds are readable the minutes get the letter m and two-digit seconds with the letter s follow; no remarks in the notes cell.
12h39m11s
